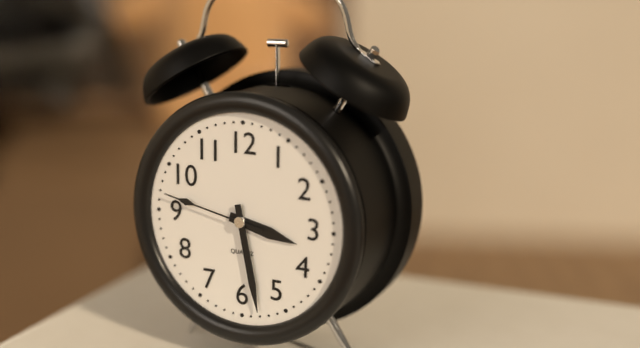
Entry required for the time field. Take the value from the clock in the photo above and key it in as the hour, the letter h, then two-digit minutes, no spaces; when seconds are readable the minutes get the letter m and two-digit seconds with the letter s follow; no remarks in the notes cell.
3h28m47s
